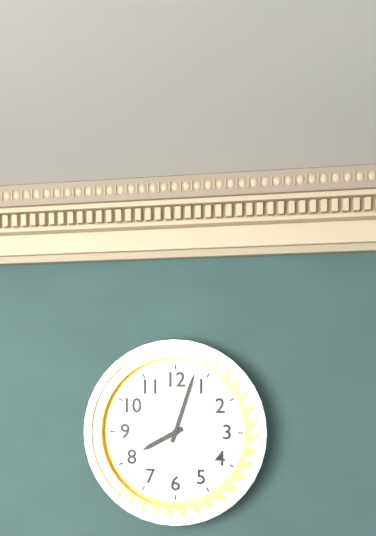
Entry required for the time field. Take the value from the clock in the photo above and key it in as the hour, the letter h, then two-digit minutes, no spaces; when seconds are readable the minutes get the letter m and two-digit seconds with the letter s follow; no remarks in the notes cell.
8h03
